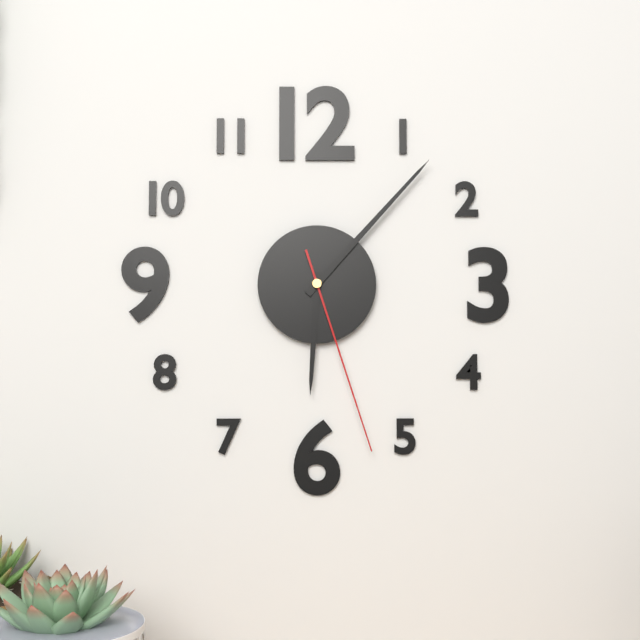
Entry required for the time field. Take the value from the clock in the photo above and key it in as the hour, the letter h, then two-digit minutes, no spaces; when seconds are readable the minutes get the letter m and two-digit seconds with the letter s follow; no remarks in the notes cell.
6h07m27s
